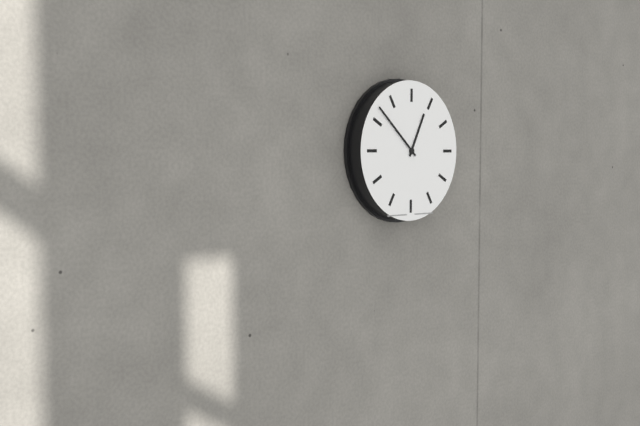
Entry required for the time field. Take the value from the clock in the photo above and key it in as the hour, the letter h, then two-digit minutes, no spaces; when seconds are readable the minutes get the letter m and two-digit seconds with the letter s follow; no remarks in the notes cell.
12h52
